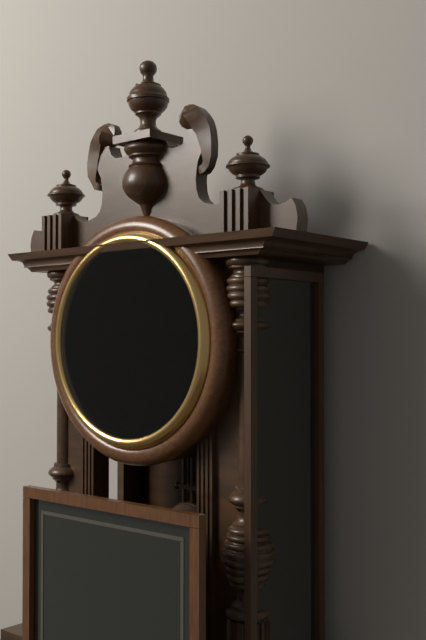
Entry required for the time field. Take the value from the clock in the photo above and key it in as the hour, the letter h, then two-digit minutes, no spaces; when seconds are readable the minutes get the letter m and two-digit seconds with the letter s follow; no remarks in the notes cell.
3h41
